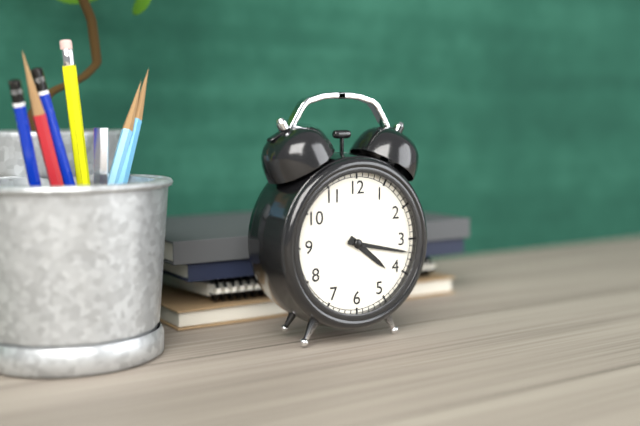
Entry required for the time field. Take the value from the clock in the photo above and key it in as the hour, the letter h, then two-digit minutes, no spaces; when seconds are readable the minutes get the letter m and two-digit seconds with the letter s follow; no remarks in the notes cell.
4h17
